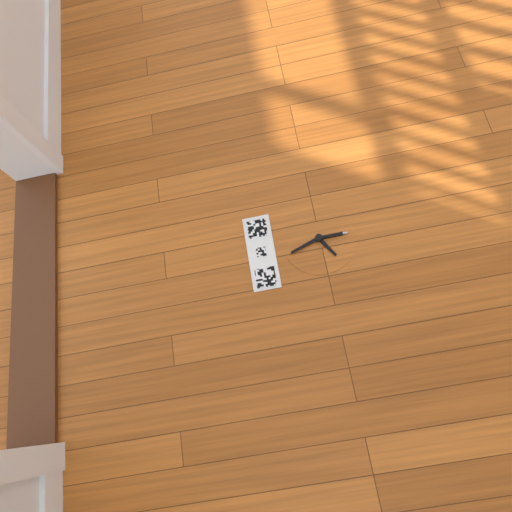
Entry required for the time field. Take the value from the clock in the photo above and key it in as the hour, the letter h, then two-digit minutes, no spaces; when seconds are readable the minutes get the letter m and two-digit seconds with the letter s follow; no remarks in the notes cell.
7h57
